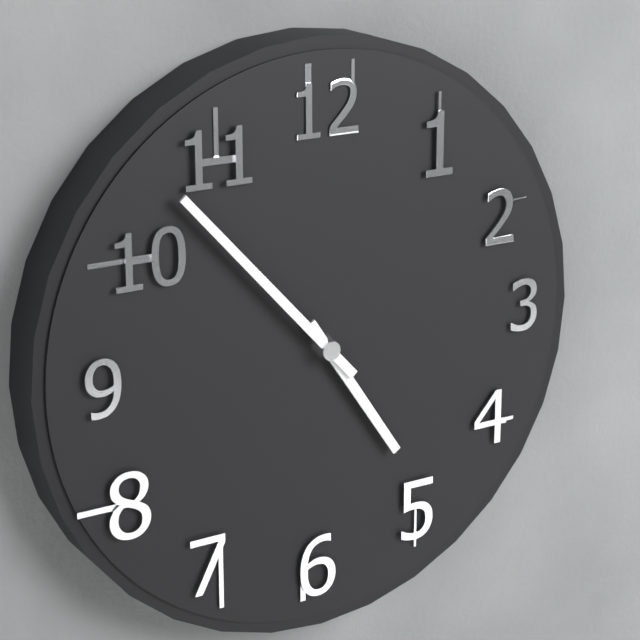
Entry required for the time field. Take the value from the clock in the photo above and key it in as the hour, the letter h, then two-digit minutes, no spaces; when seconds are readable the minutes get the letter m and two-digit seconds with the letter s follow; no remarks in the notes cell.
4h53
